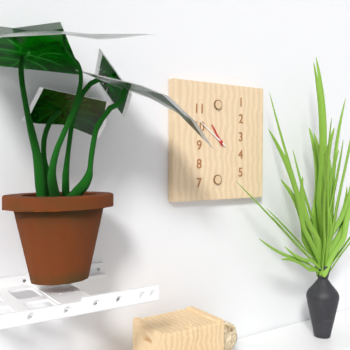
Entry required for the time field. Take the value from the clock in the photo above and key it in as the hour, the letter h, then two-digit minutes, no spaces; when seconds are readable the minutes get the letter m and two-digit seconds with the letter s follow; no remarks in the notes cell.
10h51
